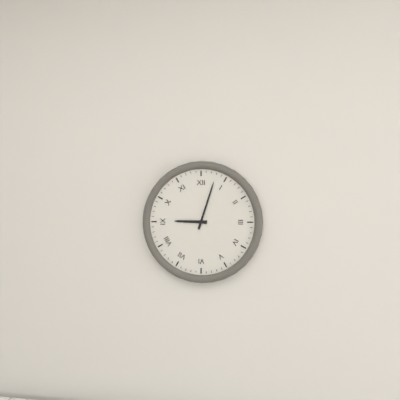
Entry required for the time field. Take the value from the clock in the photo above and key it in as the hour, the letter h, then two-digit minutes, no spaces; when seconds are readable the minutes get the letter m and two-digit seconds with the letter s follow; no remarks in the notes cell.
9h03
